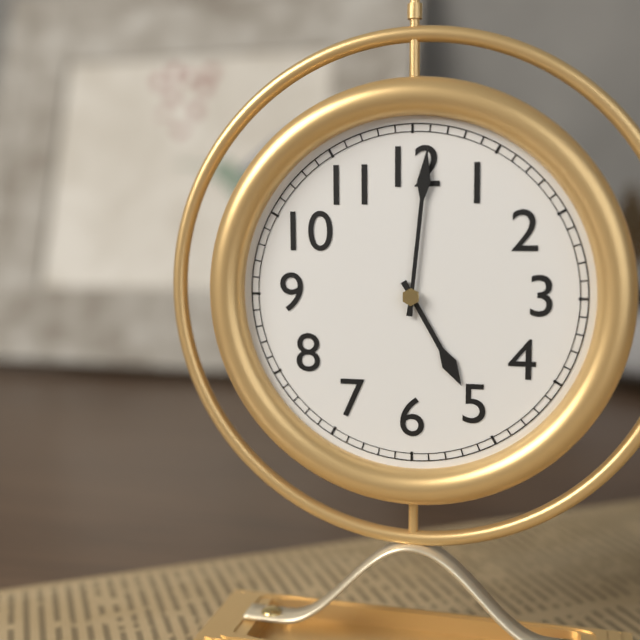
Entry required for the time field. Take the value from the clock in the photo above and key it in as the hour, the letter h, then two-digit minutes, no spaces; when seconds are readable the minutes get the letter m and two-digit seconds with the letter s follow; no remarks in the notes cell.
5h01
